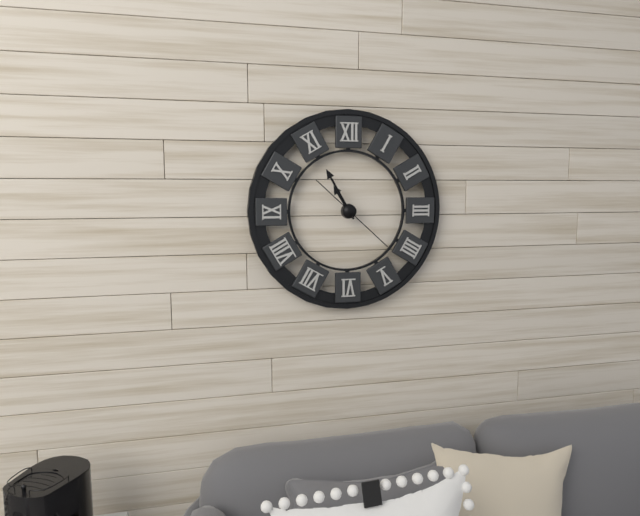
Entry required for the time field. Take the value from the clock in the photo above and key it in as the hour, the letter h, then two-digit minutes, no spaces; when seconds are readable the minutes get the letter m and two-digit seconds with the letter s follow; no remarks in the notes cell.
10h55m22s
